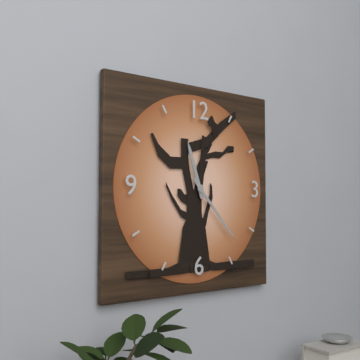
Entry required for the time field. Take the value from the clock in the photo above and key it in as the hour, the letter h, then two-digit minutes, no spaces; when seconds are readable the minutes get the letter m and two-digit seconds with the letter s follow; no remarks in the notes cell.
11h23
